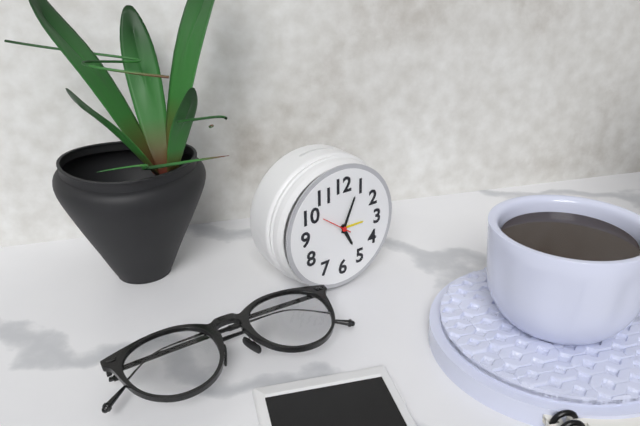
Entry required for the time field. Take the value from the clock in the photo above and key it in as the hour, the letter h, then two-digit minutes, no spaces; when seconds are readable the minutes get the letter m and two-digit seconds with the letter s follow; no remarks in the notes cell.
5h04
